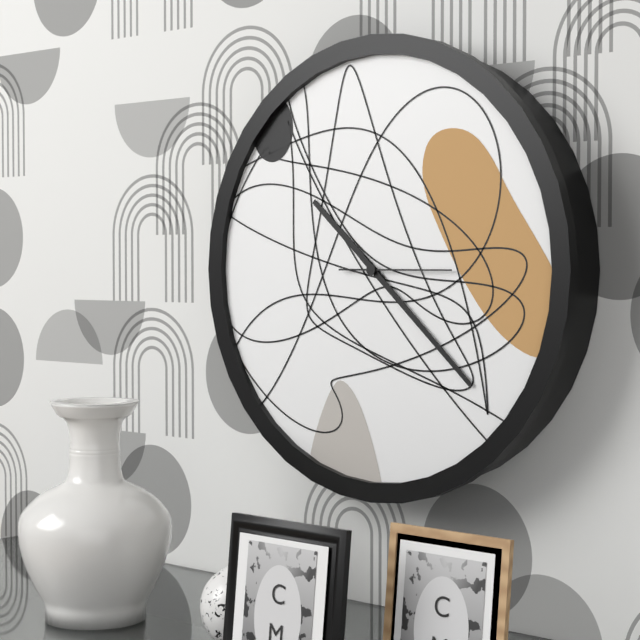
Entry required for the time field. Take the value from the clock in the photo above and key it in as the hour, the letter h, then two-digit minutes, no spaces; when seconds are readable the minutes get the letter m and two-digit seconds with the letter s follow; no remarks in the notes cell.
10h22m15s
